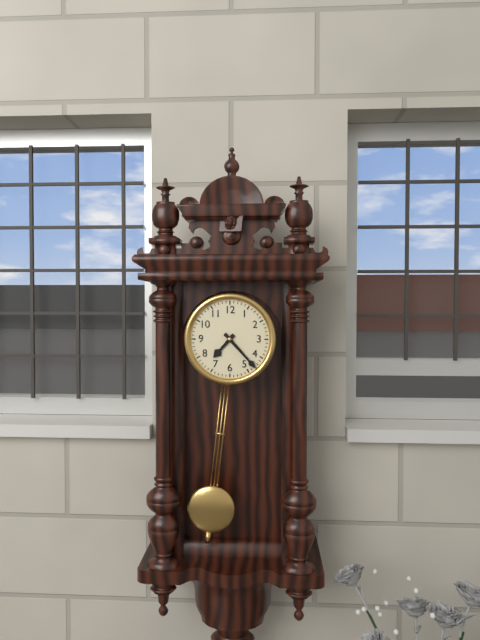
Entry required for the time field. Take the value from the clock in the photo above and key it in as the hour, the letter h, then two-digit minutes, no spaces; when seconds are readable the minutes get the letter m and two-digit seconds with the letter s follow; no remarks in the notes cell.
7h23
